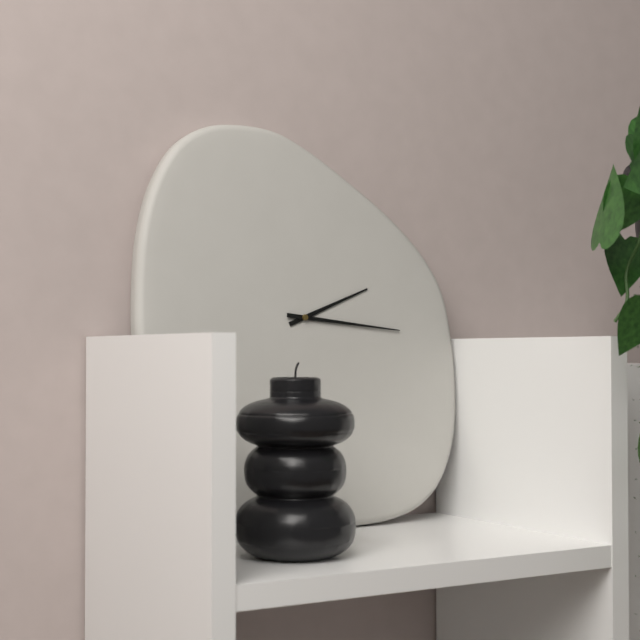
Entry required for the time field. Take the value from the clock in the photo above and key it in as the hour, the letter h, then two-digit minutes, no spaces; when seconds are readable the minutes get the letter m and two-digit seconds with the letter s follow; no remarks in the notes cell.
2h16
